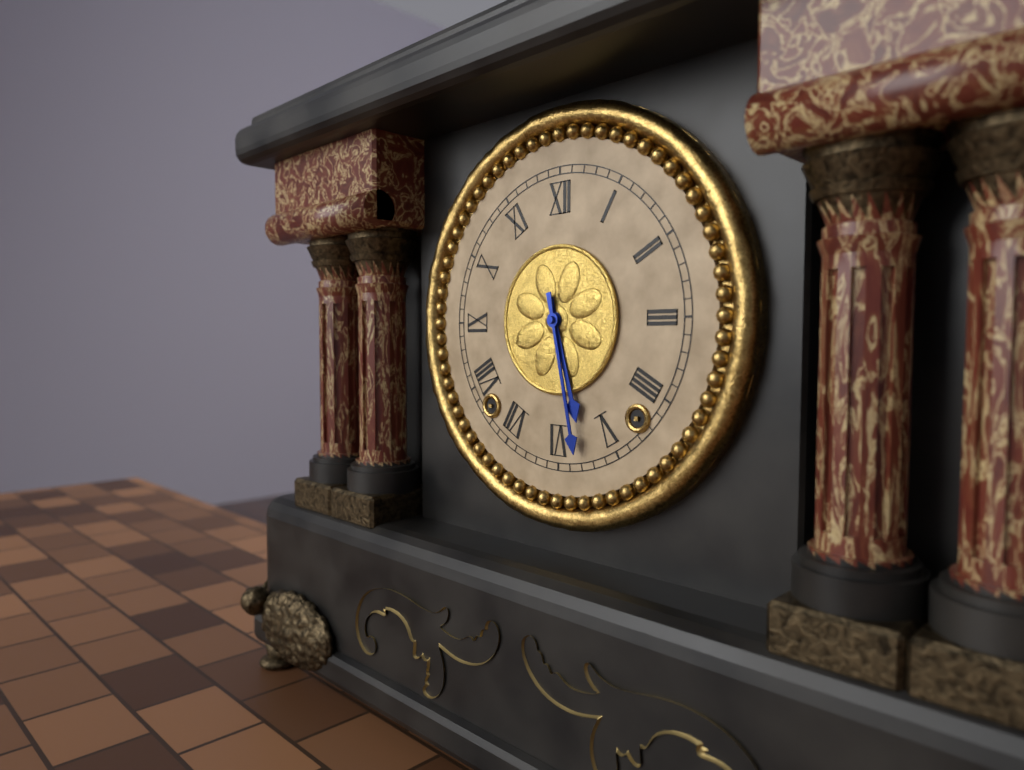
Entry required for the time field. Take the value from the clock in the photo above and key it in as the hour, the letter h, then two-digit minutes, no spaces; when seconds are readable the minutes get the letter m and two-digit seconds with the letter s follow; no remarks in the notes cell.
5h28
